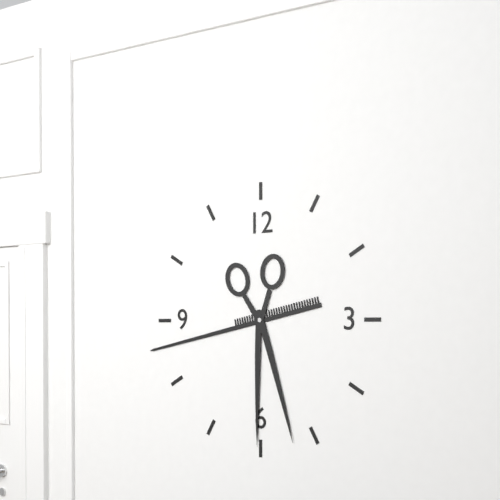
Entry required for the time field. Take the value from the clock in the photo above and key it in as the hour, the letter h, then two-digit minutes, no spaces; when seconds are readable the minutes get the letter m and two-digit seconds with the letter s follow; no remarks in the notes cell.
5h43
